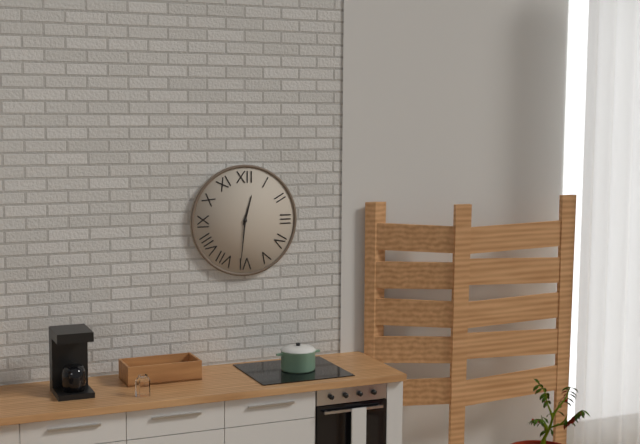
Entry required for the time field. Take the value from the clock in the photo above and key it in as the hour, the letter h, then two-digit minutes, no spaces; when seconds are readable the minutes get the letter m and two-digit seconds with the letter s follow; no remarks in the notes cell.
12h31
